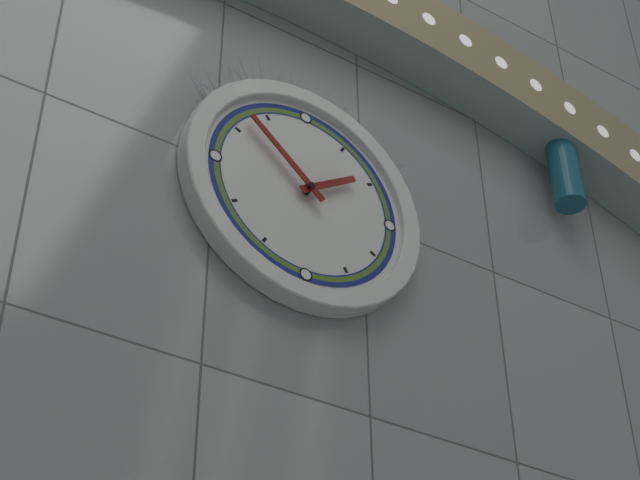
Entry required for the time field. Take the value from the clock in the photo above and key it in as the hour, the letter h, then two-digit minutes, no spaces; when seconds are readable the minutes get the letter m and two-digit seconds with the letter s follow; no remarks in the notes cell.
1h52
